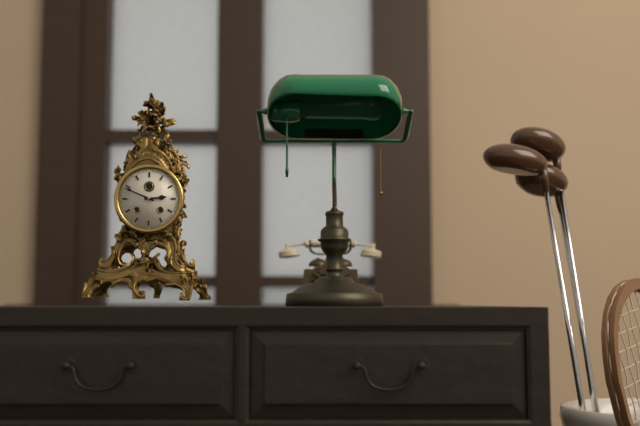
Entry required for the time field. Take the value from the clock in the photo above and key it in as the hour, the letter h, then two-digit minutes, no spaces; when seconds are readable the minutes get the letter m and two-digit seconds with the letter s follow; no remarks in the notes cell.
2h49
